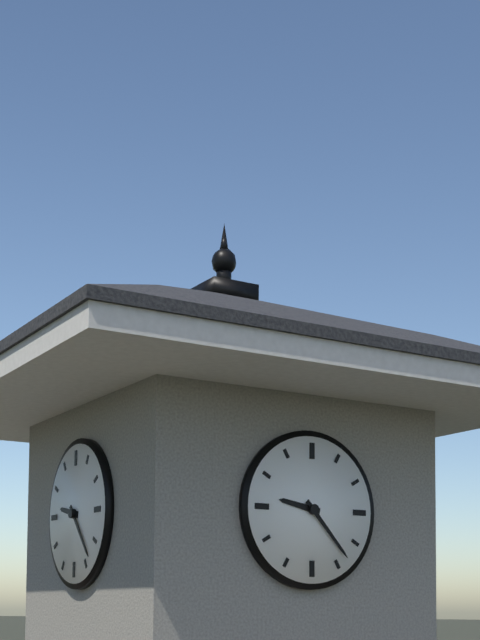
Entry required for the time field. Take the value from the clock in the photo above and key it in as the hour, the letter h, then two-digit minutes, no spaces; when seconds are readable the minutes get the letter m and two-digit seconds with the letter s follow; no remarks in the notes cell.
9h23
